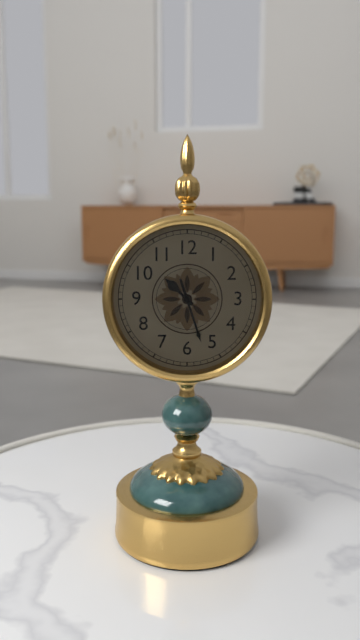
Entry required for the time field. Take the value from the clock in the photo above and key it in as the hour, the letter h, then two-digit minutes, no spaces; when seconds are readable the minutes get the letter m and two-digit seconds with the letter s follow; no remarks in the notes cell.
10h27
